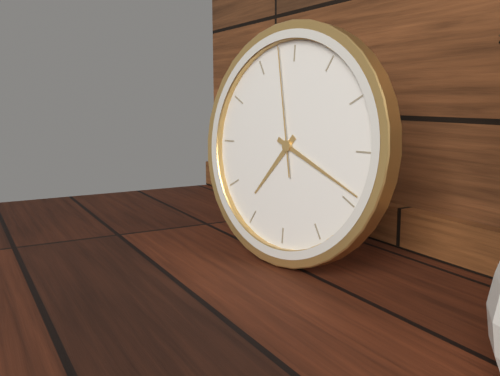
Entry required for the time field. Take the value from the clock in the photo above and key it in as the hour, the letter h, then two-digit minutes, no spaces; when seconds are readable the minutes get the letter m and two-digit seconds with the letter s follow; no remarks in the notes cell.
7h19m58s
